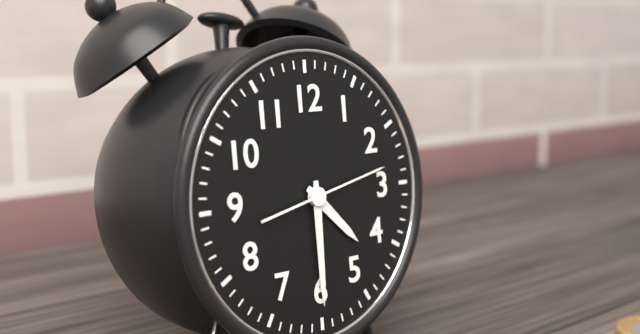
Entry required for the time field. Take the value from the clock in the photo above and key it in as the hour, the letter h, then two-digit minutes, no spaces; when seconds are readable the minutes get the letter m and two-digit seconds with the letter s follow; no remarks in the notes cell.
4h30m13s
